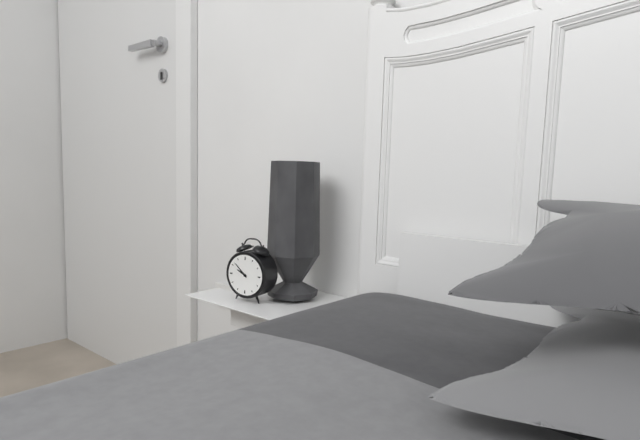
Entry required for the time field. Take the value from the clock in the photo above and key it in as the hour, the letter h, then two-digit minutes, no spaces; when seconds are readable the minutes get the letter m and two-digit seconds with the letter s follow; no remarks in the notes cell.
9h52
